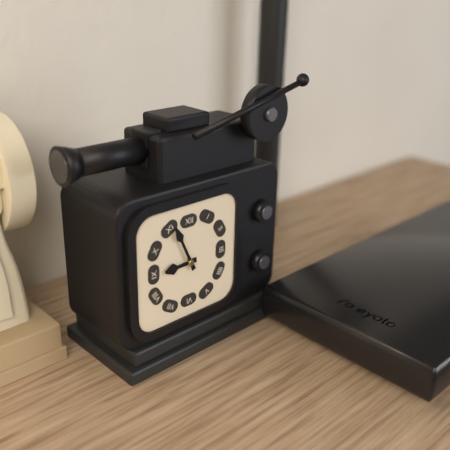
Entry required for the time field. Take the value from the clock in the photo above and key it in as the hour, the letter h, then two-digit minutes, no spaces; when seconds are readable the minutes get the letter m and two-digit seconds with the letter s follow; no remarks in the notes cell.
8h56
